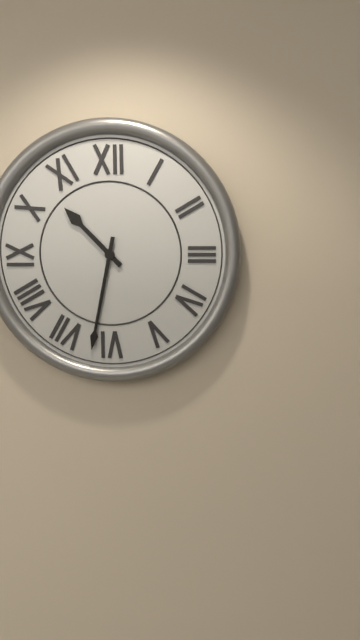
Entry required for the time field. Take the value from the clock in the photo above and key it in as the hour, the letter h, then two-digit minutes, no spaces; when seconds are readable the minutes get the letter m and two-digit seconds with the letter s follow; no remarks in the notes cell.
10h32
